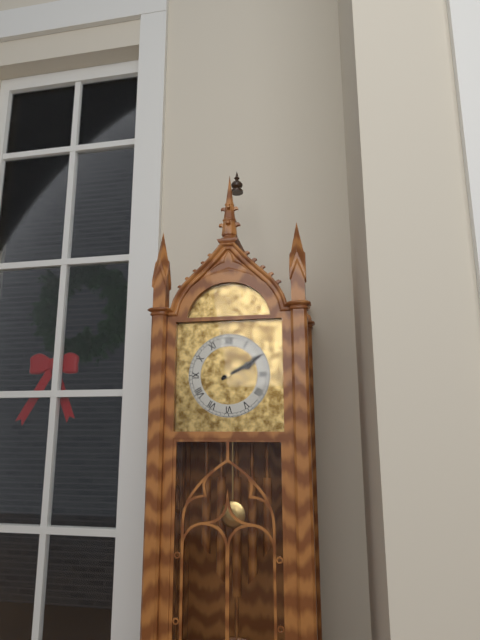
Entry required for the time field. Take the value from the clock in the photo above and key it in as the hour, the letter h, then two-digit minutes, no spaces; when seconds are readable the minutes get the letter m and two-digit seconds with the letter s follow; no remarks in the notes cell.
2h10
